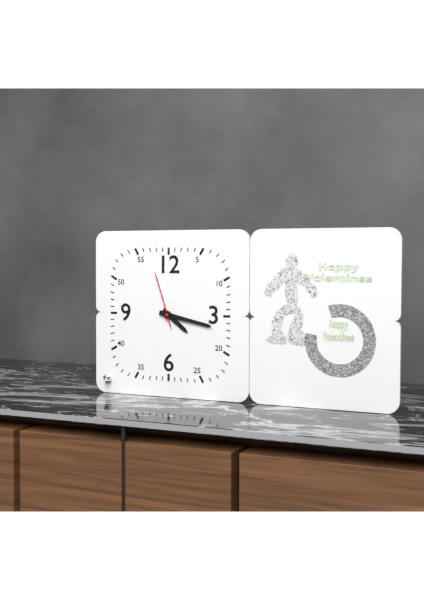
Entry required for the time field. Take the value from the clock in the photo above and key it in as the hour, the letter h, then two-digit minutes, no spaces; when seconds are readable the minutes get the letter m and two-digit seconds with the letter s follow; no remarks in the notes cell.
4h17m57s
